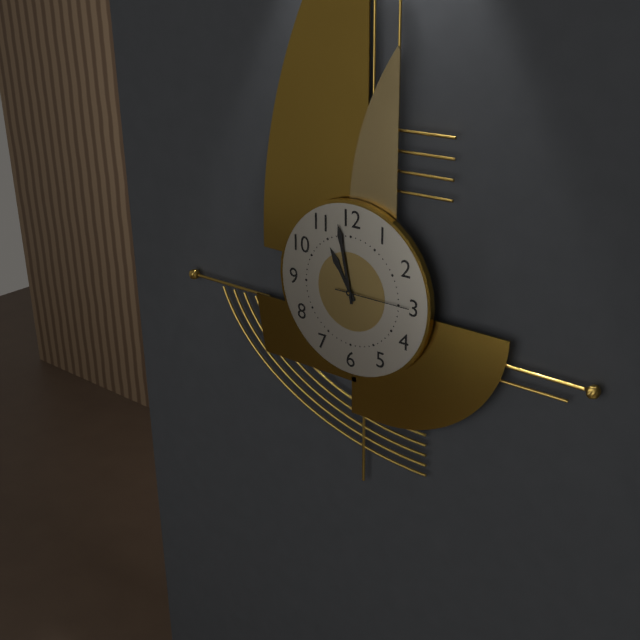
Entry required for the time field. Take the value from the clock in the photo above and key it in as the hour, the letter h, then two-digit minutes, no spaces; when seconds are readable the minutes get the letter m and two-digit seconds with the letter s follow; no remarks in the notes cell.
10h58m15s
